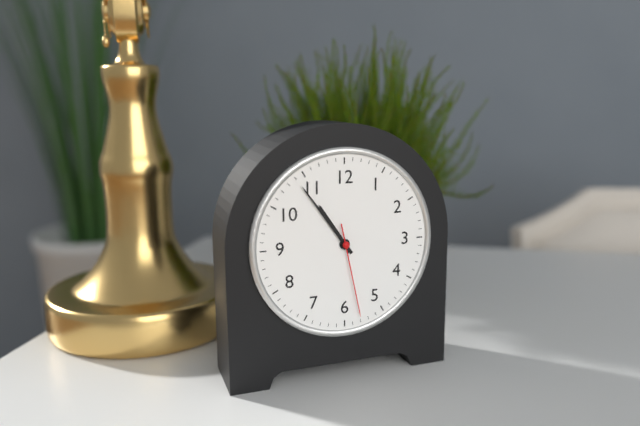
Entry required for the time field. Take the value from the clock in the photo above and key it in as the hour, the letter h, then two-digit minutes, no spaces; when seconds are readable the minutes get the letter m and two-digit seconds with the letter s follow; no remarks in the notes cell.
10h54m28s
